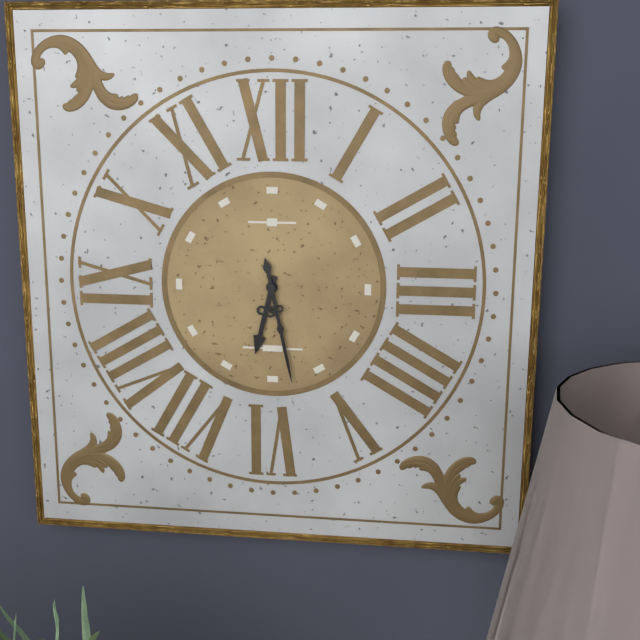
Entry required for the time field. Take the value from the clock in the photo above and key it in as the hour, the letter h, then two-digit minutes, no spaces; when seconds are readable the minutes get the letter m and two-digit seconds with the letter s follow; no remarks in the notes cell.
6h28
